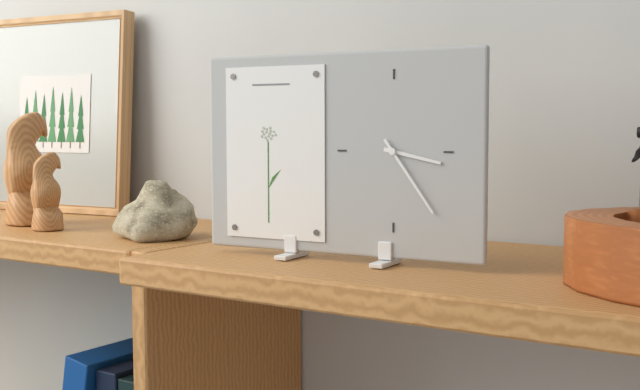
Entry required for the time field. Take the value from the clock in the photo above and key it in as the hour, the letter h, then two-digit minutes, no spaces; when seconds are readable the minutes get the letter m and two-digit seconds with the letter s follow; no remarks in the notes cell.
3h24
